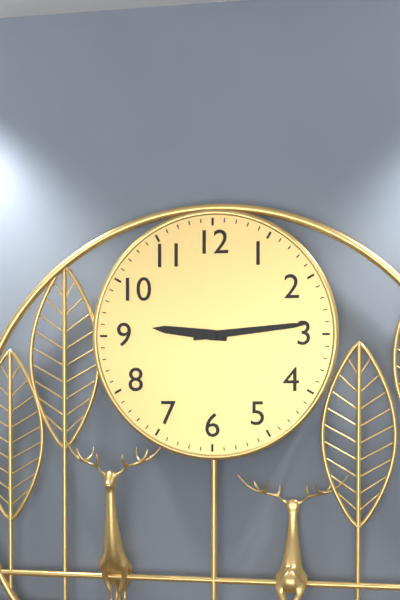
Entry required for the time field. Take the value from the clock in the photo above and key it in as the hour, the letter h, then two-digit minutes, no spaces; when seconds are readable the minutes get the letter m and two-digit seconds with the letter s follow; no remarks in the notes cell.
9h14
